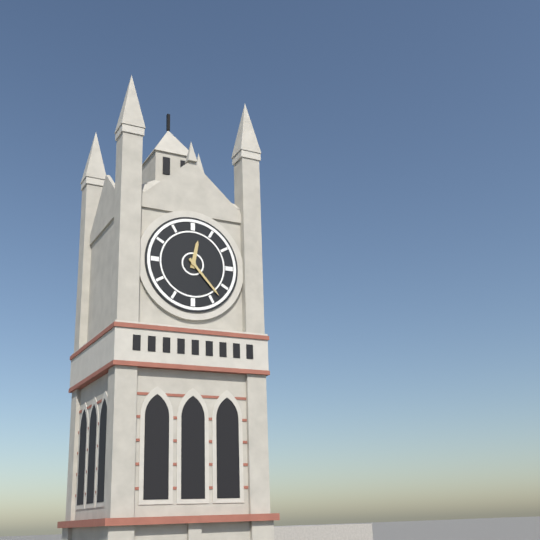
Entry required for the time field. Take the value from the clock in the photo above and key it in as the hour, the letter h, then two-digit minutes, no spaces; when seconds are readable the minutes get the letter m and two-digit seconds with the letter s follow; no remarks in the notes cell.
12h23
